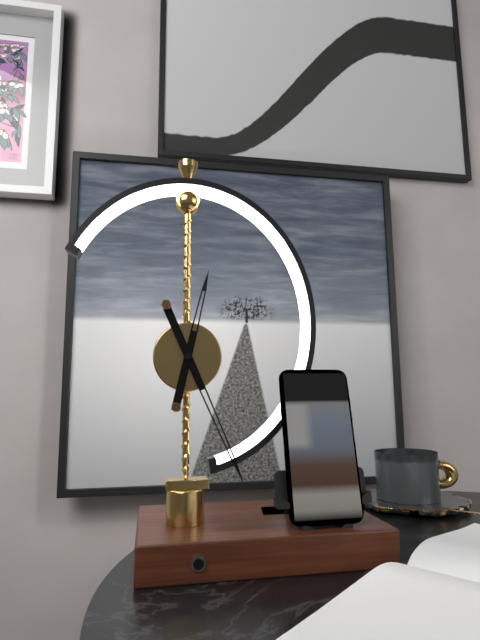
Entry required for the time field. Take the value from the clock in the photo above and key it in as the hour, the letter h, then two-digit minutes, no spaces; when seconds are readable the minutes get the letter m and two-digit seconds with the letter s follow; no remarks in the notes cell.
12h26
